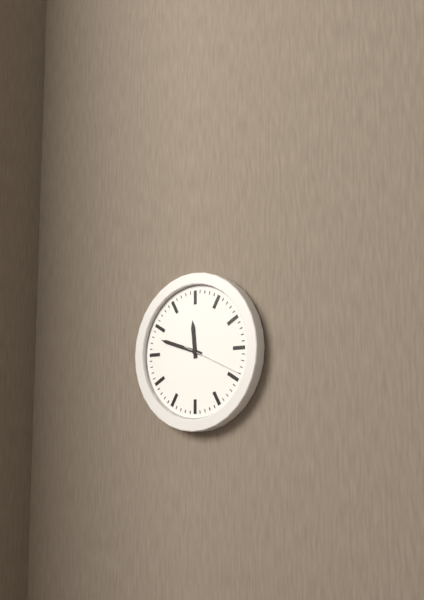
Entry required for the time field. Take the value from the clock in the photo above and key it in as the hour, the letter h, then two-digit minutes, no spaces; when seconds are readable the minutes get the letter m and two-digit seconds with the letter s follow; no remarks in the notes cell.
11h48m19s
